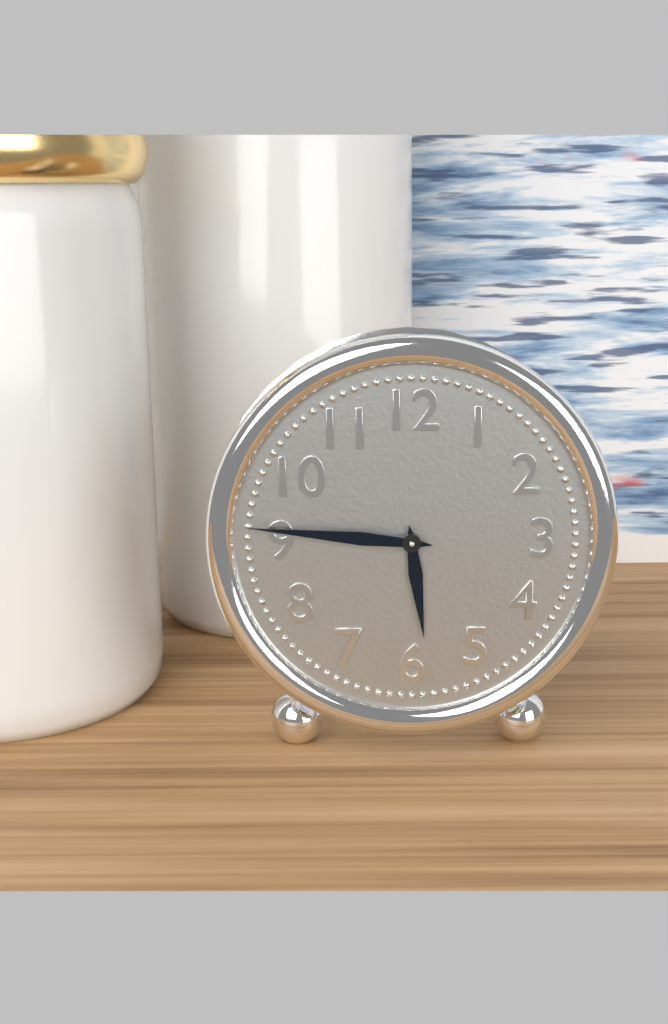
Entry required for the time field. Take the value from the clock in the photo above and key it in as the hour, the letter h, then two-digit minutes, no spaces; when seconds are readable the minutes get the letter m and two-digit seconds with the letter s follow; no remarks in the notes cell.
5h46
